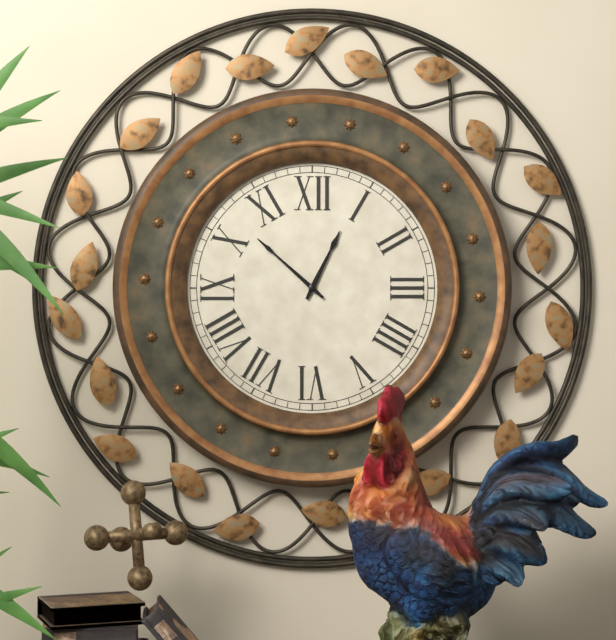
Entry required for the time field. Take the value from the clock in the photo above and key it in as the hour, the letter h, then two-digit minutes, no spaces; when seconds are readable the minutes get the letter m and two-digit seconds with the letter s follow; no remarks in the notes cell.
12h52
